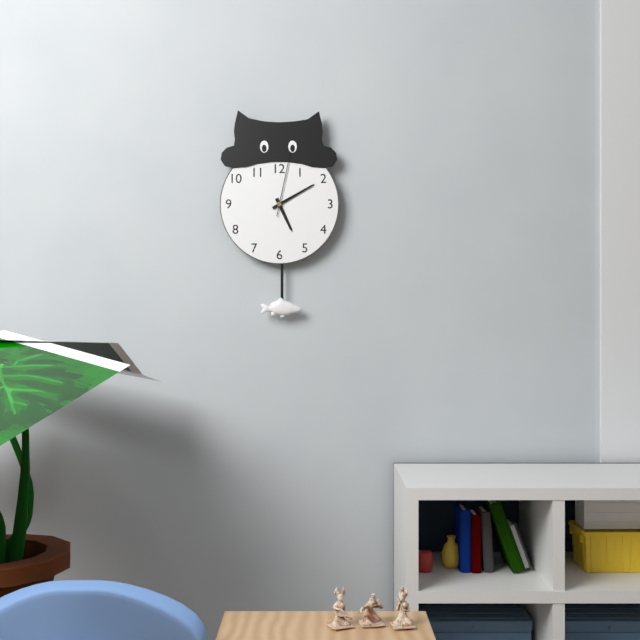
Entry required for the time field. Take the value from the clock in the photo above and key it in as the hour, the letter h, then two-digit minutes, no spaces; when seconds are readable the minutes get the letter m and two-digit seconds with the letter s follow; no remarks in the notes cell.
5h10m02s
